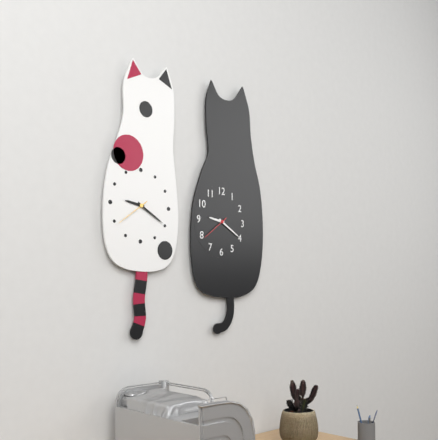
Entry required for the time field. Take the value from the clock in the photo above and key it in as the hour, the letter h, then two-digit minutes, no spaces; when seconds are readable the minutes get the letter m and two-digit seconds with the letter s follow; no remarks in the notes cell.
9h20
